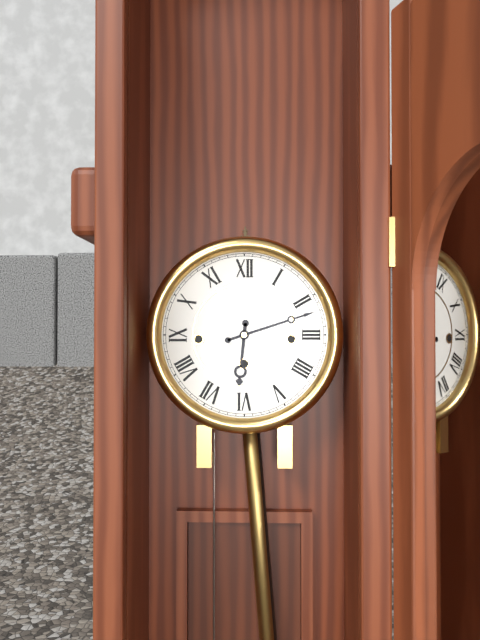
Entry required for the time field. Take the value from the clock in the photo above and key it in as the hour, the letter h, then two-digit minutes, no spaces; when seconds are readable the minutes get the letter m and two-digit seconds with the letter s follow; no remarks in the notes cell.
6h12
